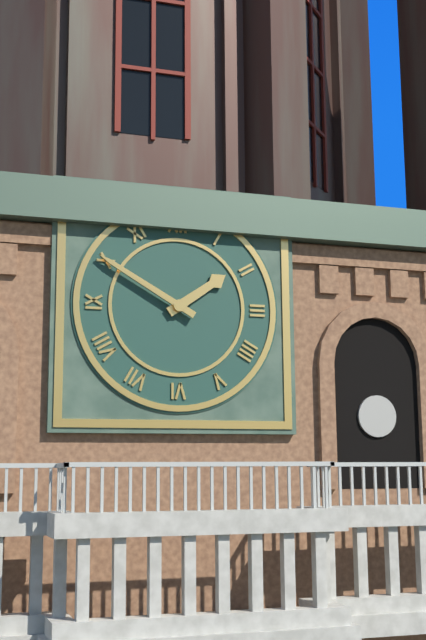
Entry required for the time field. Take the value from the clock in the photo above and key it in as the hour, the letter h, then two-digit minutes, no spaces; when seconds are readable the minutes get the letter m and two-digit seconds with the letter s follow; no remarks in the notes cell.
1h50
